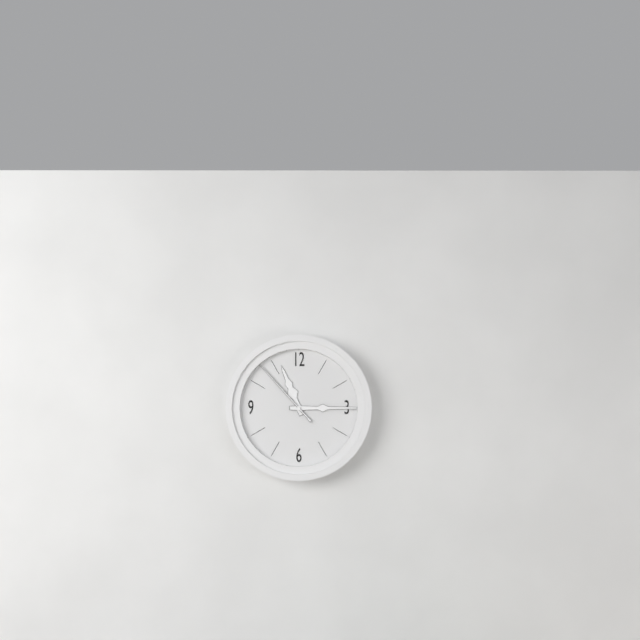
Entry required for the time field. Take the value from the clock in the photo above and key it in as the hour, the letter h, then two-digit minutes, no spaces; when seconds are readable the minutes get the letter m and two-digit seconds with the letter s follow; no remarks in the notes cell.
11h15m53s
